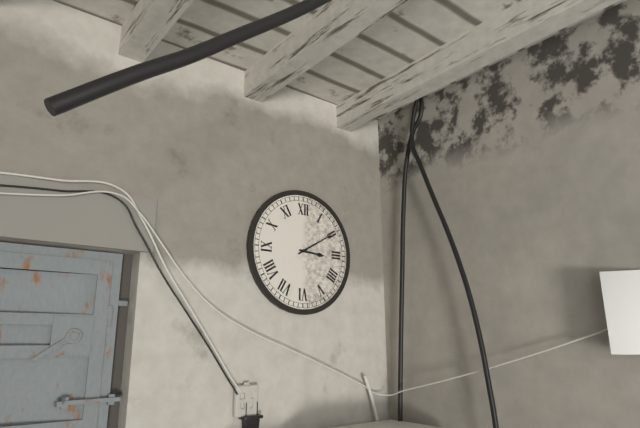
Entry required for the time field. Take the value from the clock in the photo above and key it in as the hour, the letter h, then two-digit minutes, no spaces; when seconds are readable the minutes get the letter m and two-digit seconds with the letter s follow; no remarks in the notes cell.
3h10
